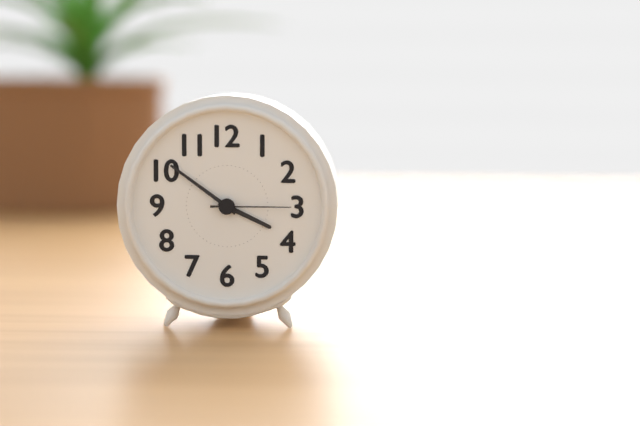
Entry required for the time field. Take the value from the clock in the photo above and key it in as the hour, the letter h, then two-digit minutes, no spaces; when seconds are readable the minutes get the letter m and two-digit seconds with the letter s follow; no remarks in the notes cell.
3h51m15s
